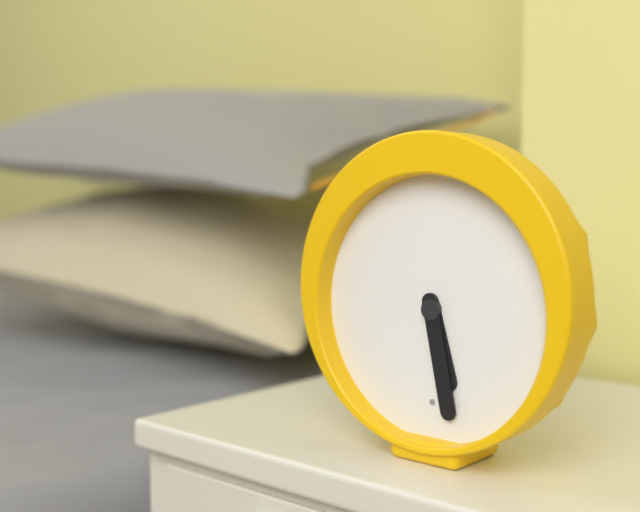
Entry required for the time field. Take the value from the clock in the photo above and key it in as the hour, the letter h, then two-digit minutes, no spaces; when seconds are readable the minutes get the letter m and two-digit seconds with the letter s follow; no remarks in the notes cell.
5h28
